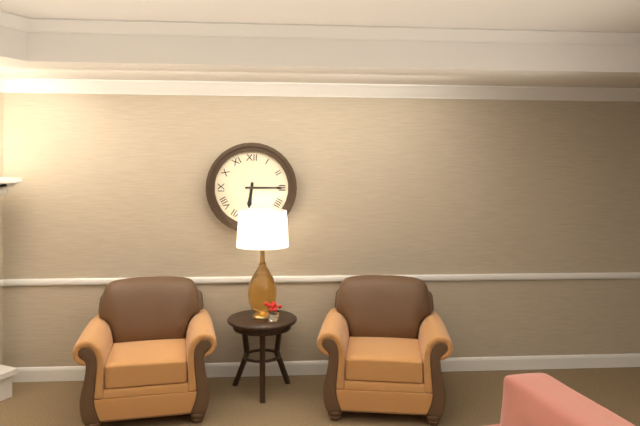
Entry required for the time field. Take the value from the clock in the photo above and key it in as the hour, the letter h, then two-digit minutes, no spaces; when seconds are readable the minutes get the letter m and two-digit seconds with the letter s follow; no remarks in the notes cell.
6h15
